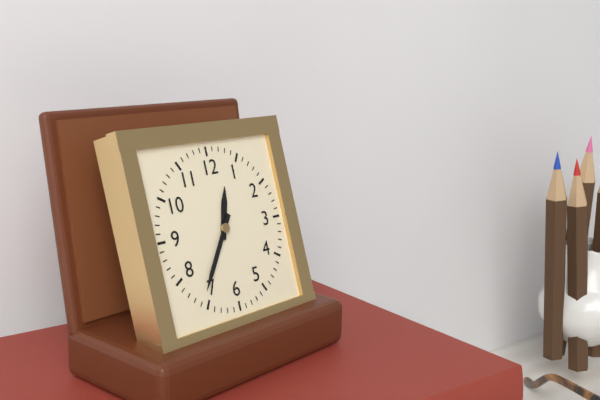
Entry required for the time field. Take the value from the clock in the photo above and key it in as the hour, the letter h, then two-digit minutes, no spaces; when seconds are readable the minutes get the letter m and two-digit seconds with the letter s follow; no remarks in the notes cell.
12h36
